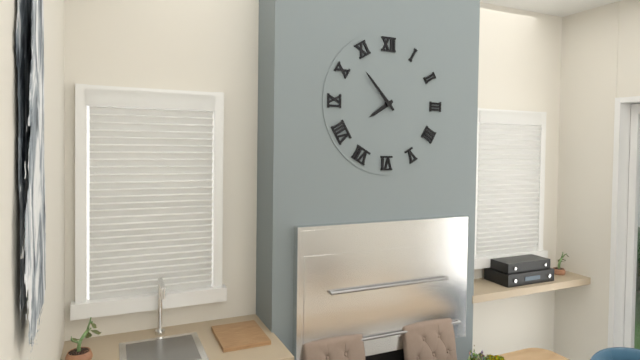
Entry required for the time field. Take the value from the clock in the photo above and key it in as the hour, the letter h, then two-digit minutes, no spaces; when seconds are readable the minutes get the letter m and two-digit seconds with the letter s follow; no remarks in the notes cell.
7h53
